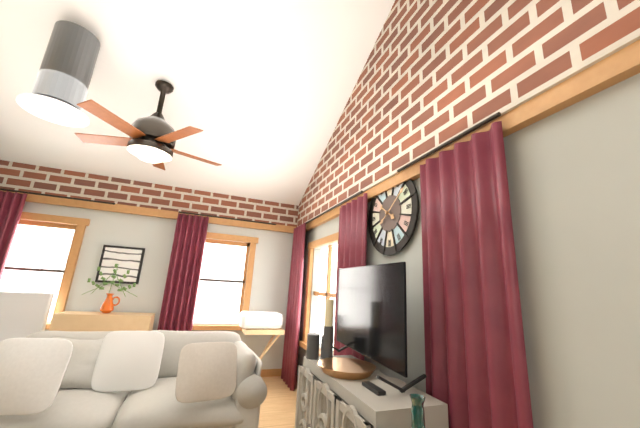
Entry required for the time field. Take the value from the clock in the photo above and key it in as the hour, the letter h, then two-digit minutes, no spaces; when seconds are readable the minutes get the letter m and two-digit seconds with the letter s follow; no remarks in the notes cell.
10h09
